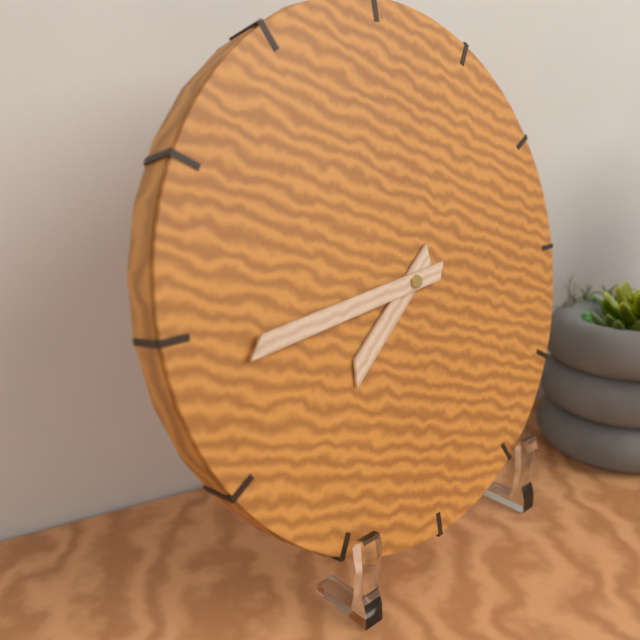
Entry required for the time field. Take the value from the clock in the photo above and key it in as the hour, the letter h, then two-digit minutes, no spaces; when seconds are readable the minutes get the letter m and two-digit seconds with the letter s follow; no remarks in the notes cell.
7h44
